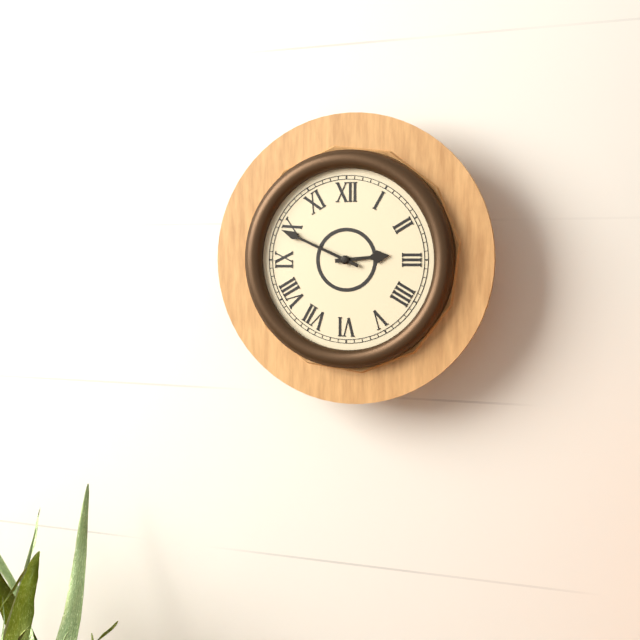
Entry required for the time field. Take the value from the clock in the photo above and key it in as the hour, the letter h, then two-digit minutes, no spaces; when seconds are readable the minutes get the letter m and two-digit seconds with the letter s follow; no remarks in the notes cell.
2h49
